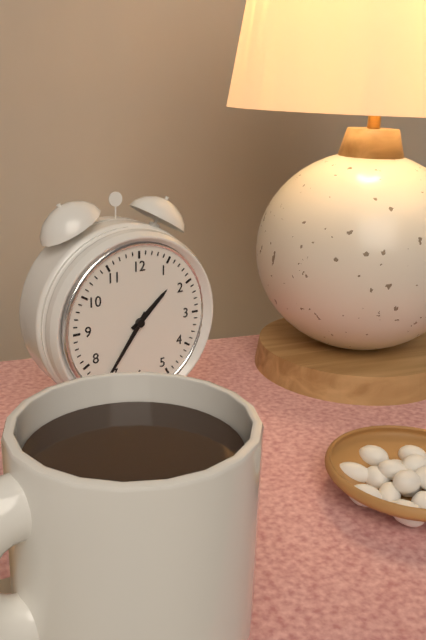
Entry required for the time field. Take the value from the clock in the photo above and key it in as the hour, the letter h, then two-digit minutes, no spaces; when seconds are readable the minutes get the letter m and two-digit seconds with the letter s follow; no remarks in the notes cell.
1h36
